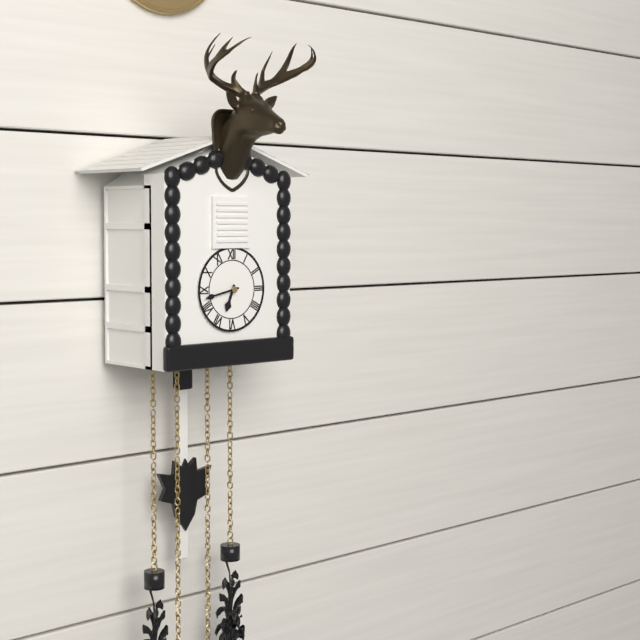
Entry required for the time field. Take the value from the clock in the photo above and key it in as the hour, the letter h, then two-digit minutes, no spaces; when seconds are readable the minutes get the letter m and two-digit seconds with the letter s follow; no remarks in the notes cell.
6h43
